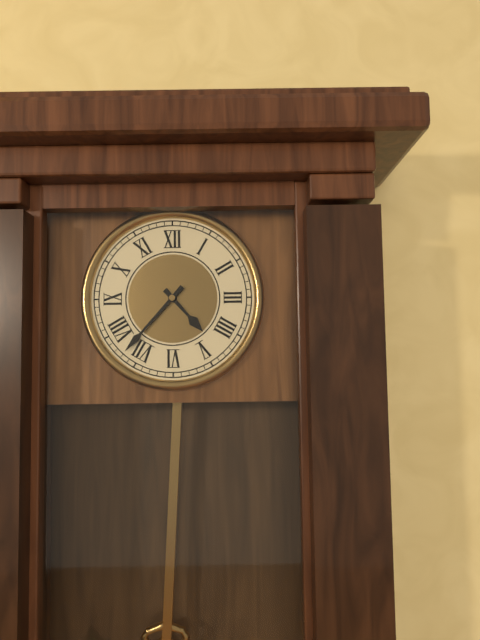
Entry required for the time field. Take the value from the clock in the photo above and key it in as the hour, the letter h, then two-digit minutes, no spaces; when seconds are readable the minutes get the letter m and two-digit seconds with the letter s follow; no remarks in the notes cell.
4h37
